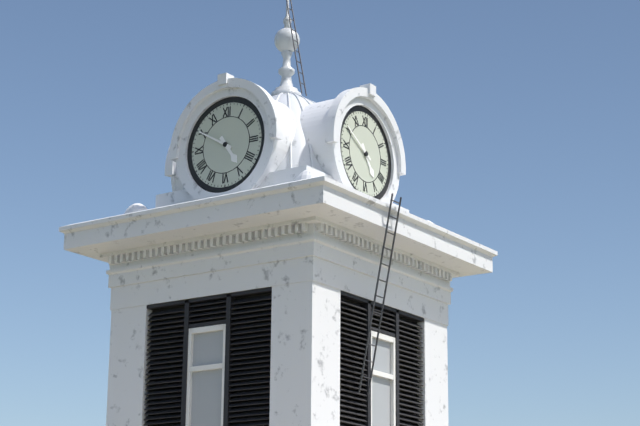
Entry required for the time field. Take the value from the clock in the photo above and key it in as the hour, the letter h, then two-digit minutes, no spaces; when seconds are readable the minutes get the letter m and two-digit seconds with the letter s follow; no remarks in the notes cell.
4h50
